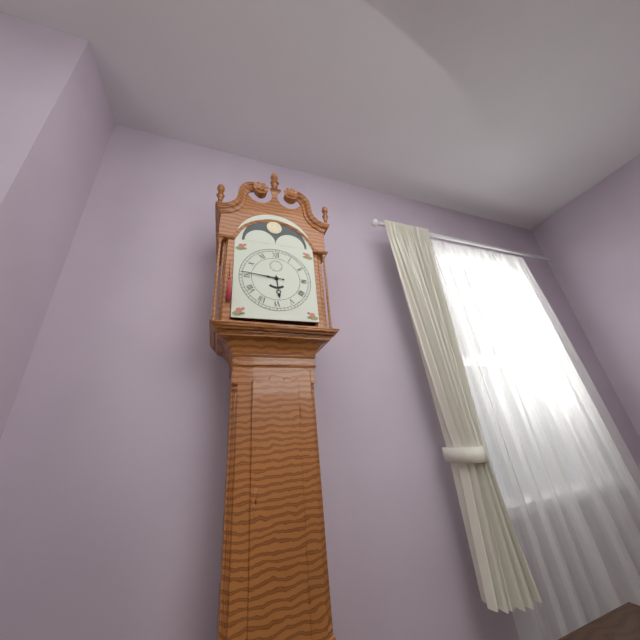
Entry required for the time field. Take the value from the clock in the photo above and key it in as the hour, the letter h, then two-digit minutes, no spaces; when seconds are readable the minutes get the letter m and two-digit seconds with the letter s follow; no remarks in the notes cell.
5h46
